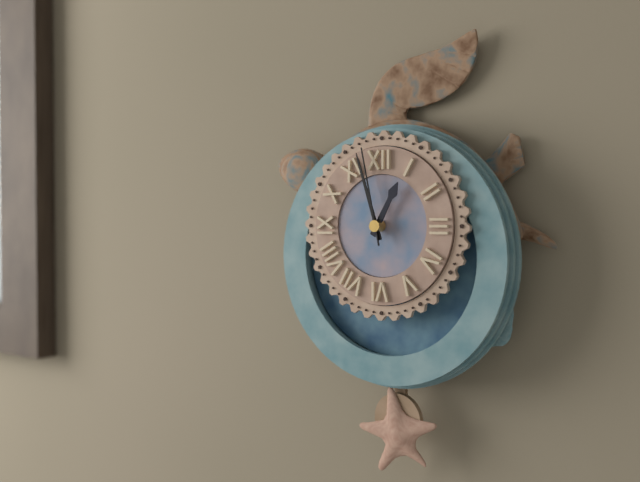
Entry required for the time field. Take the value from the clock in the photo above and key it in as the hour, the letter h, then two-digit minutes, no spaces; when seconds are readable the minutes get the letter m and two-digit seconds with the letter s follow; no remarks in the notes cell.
12h57m58s
